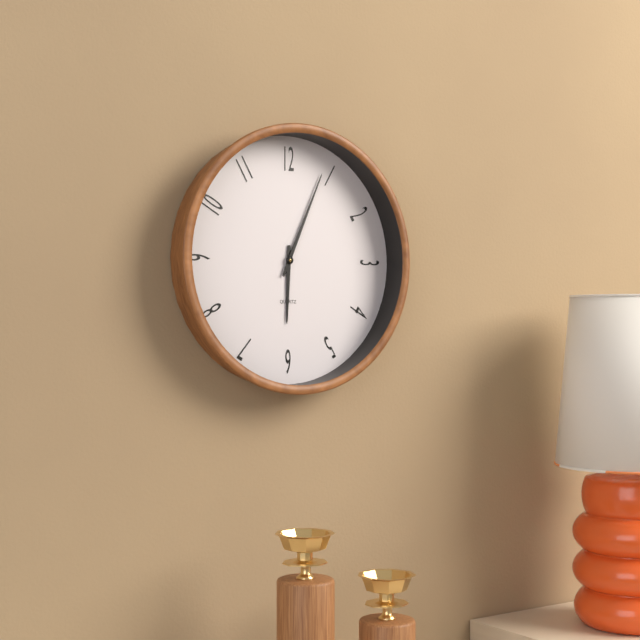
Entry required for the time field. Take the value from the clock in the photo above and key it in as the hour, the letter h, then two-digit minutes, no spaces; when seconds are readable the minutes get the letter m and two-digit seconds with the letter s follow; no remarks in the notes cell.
6h04
